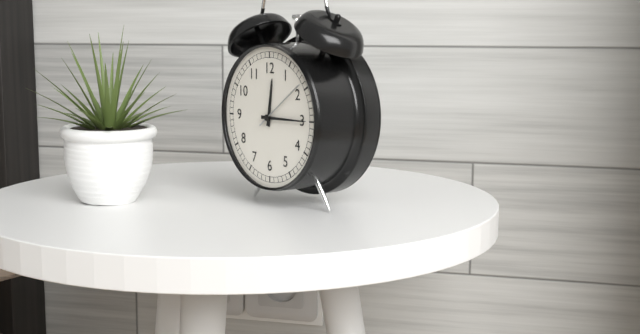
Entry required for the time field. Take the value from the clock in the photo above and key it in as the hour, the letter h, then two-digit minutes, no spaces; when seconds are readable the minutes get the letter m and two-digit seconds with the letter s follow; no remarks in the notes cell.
12h15m09s
